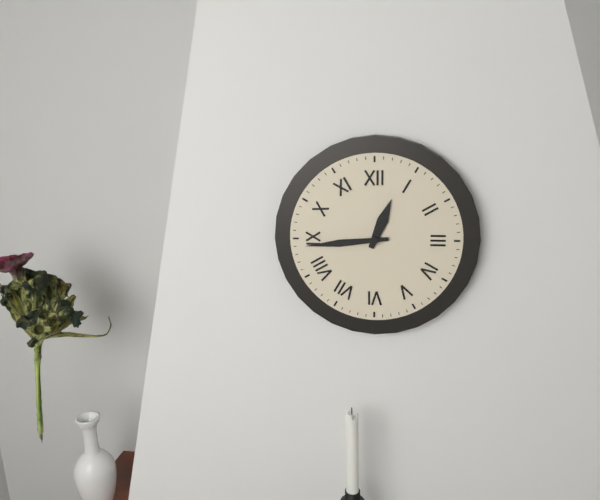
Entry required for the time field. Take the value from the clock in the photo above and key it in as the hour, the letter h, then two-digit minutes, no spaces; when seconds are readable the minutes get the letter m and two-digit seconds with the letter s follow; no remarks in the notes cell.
12h44
